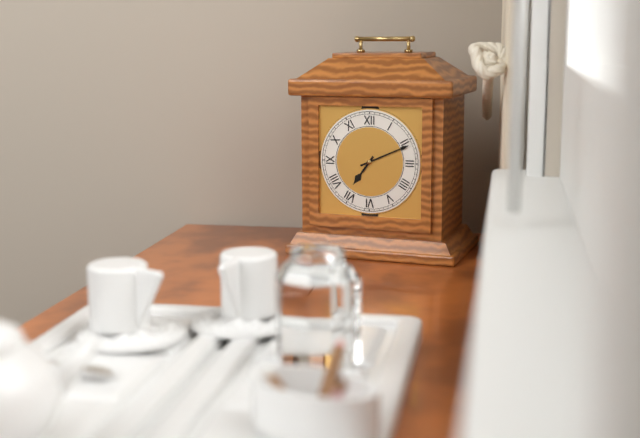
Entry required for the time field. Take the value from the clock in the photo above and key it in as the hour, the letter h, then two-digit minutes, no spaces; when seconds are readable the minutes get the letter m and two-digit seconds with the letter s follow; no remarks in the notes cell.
7h11
